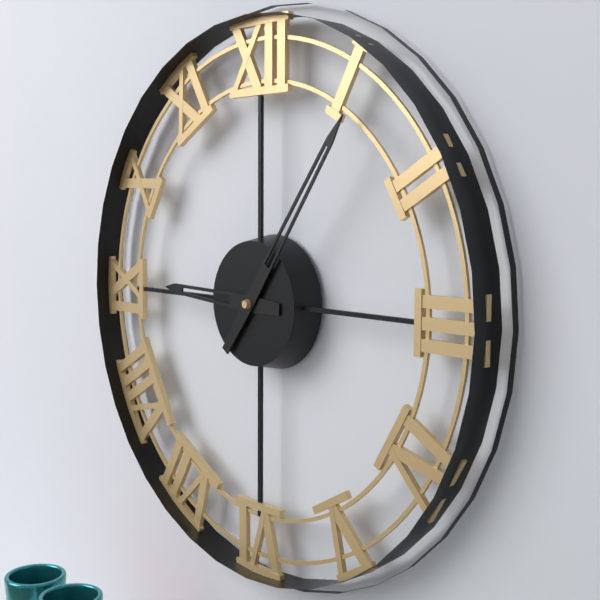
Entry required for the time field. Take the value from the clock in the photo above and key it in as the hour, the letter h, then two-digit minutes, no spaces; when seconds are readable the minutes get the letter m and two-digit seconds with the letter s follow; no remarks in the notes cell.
9h06
